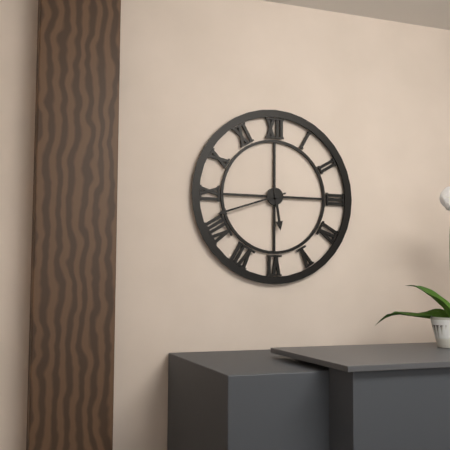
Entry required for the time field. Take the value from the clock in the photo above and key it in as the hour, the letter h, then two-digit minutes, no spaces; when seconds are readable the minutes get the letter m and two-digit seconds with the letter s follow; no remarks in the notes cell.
5h42
